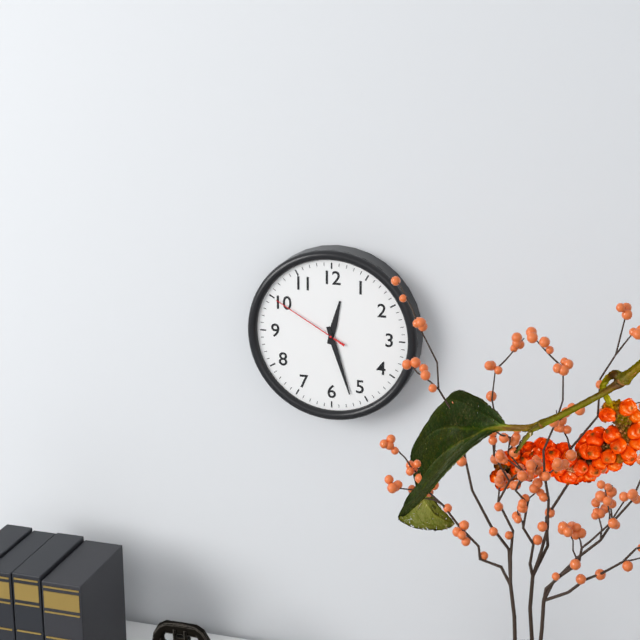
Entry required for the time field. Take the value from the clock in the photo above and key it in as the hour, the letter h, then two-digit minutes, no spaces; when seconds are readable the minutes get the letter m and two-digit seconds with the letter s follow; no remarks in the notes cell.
12h27m50s
